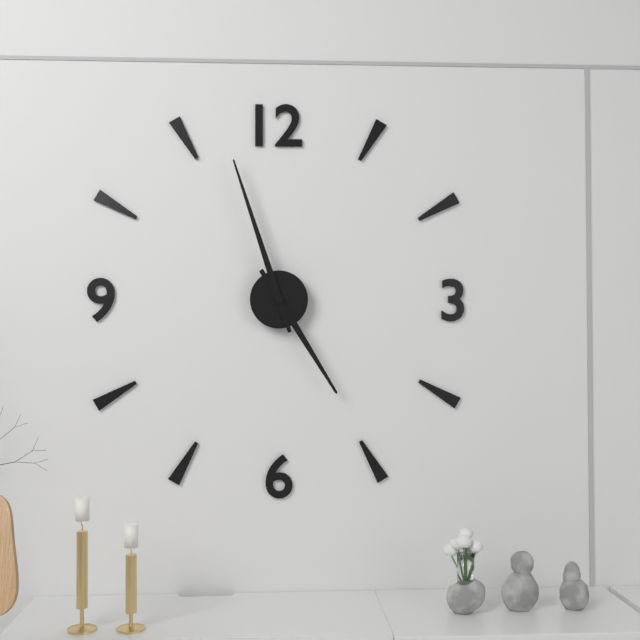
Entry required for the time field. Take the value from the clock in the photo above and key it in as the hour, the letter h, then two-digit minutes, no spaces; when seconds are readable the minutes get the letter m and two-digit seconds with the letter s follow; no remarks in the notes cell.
4h57
